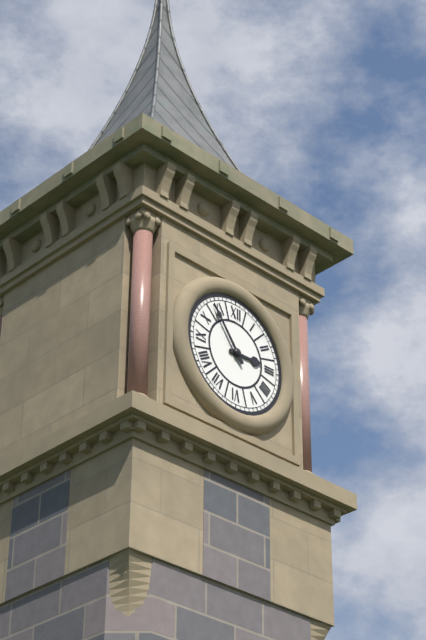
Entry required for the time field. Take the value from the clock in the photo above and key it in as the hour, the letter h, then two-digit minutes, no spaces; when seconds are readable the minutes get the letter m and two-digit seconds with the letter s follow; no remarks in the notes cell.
2h54
